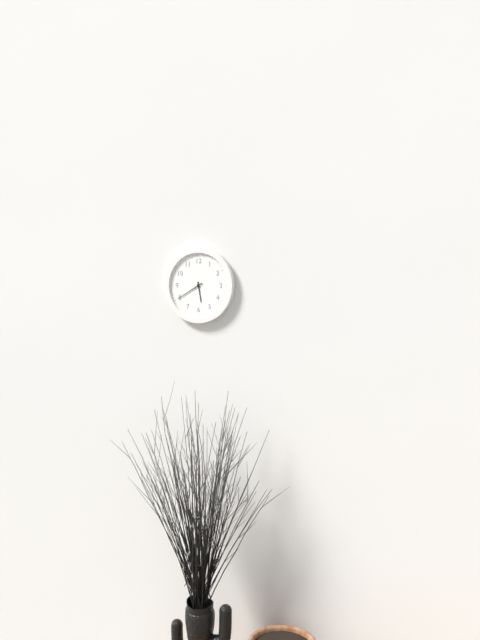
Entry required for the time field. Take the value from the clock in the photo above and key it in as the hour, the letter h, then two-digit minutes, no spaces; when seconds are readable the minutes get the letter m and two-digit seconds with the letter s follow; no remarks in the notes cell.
5h40
